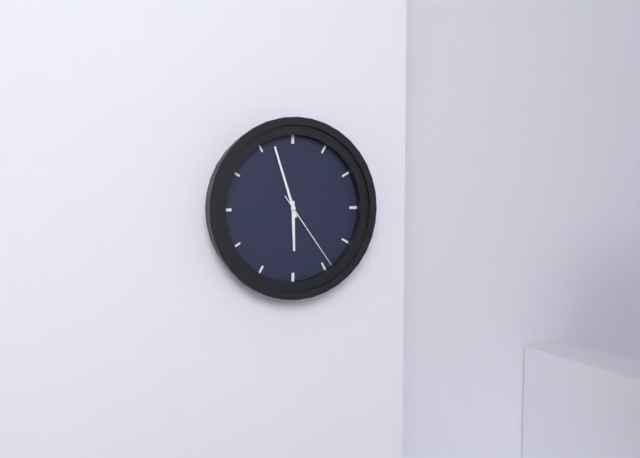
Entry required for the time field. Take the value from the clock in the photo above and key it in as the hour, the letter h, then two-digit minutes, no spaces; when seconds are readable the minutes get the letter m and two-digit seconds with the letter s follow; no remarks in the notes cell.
5h57m24s
